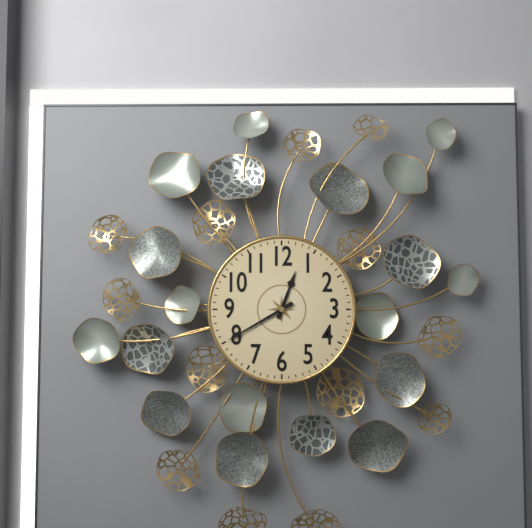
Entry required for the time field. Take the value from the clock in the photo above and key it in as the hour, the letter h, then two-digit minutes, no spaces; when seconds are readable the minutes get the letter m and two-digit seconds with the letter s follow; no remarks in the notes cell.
12h40
